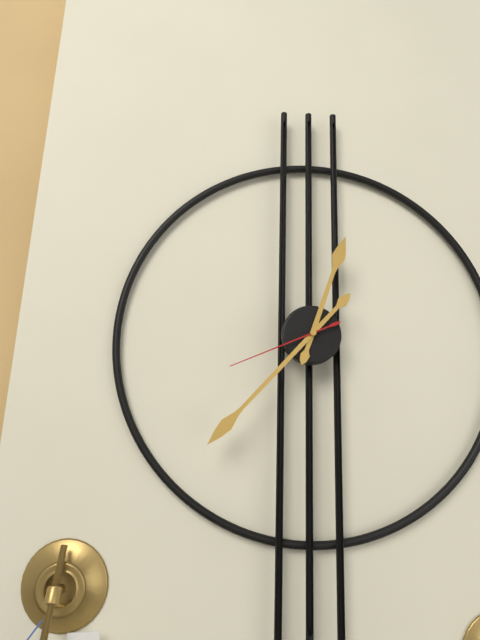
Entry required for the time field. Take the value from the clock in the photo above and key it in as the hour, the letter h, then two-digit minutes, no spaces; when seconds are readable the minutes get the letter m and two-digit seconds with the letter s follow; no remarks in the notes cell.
12h37m41s
